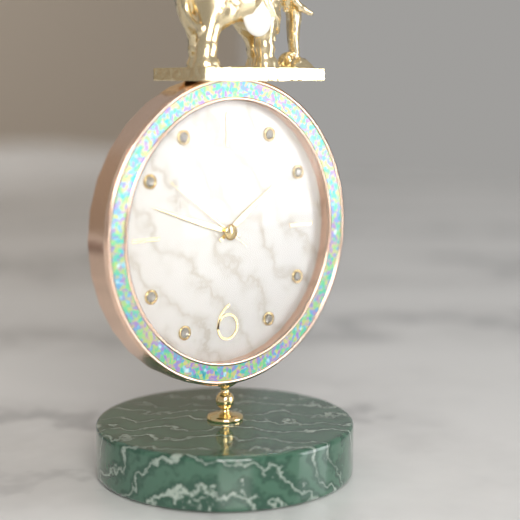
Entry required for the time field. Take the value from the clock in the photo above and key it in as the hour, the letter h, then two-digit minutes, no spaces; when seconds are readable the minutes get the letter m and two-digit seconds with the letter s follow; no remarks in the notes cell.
1h48m51s
